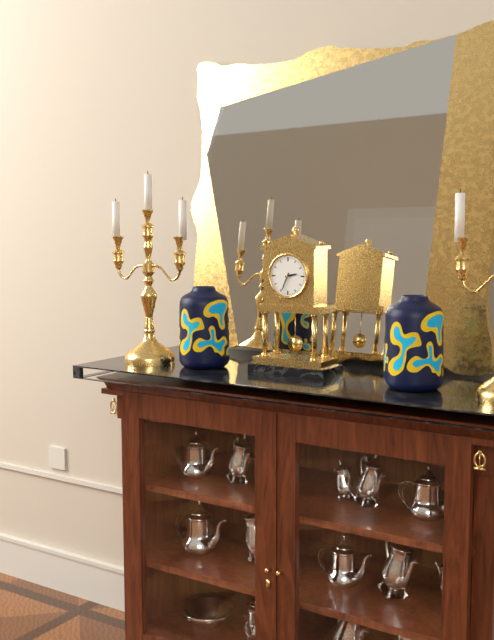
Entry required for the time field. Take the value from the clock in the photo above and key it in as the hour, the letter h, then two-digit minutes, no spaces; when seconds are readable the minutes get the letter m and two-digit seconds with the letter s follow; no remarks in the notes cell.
2h34
